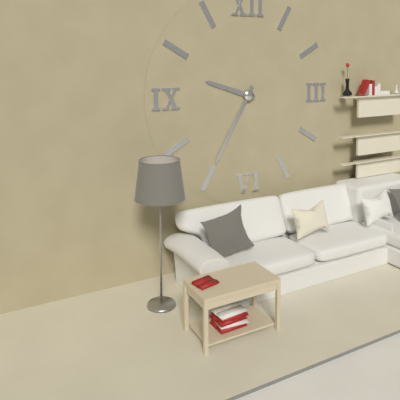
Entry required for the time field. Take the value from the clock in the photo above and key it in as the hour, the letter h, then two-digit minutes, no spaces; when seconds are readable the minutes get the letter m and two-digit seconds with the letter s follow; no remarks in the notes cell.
9h35
